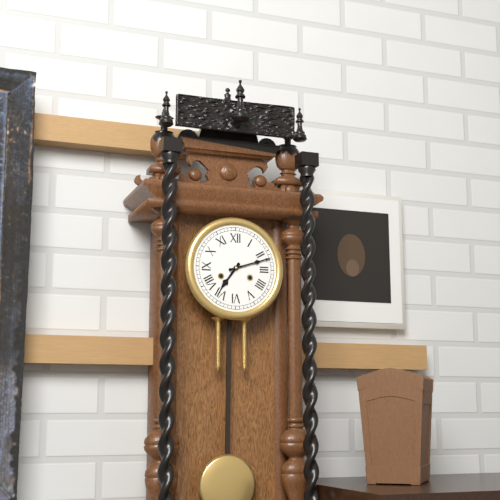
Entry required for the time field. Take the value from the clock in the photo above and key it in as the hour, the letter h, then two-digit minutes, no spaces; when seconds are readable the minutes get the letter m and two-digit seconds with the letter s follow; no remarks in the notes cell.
7h12
